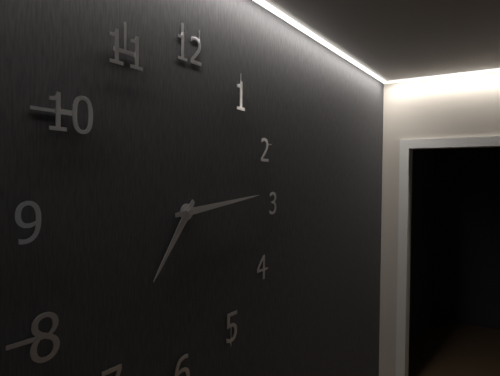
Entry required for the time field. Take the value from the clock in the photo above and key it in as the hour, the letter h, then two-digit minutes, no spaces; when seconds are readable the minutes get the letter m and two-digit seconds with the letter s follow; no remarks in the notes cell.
7h14
